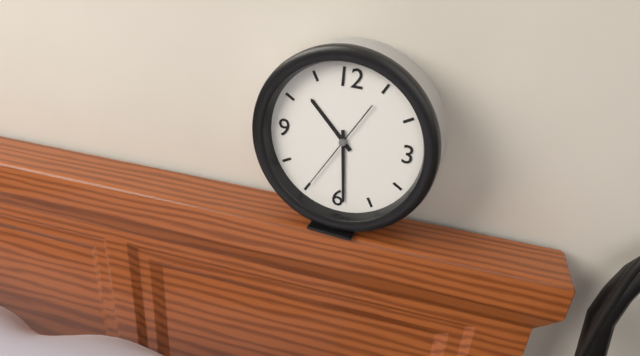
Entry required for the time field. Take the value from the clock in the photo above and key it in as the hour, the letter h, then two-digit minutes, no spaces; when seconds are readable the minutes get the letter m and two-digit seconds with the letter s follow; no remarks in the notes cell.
10h29m35s
